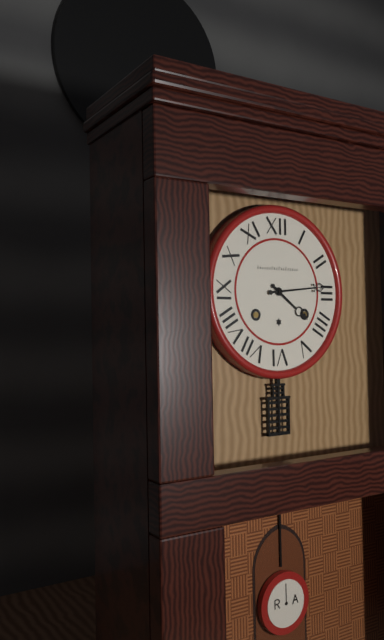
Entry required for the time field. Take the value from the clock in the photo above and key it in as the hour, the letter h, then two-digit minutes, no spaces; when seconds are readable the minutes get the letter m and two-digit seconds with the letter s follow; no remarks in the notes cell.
4h14
